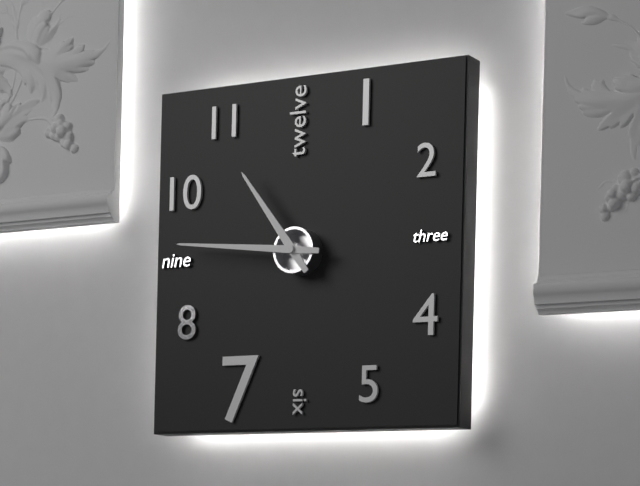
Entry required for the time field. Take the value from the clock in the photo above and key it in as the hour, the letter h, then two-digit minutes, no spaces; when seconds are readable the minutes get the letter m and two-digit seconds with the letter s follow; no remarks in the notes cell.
10h46
